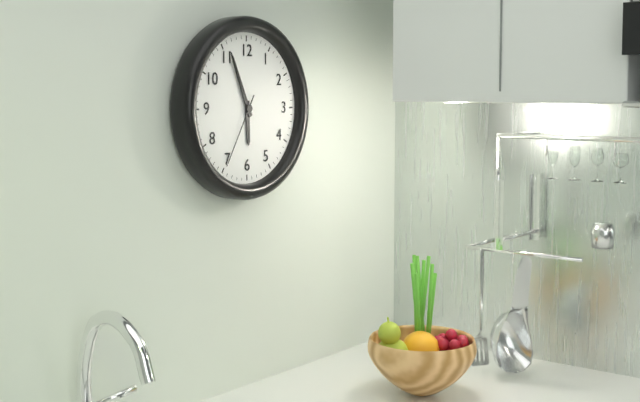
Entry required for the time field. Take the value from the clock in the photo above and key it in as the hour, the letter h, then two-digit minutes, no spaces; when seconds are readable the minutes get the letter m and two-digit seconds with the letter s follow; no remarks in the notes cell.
5h56m35s
